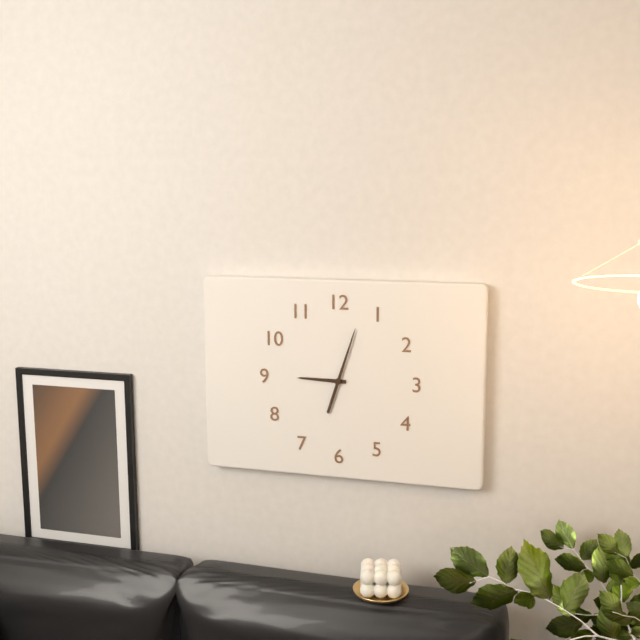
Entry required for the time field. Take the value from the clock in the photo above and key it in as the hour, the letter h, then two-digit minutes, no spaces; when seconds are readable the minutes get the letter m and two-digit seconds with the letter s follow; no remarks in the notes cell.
9h03
